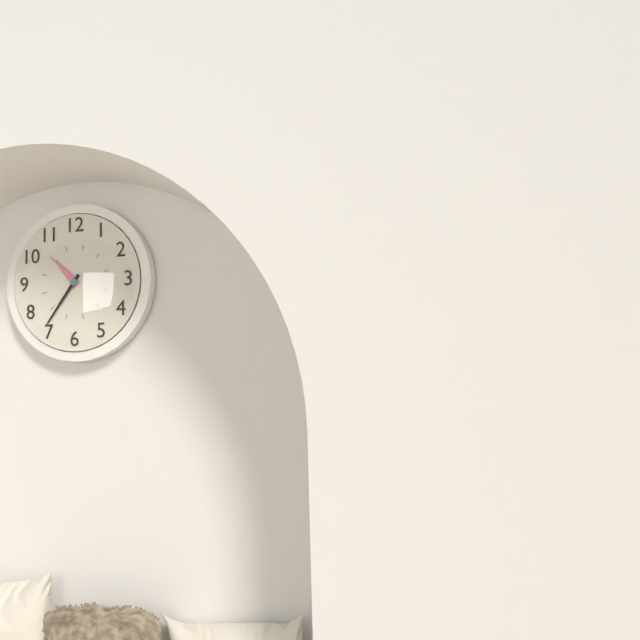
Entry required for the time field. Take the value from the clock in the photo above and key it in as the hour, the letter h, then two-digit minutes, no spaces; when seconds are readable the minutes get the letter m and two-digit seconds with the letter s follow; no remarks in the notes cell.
10h36
